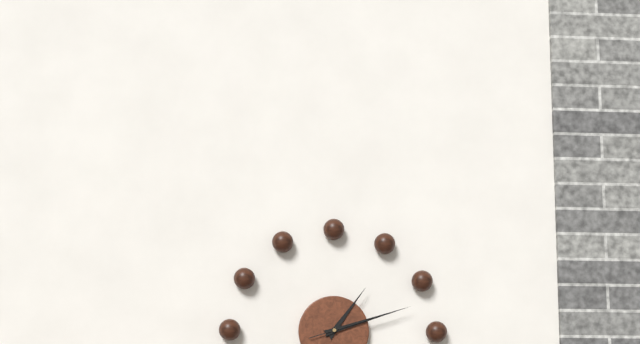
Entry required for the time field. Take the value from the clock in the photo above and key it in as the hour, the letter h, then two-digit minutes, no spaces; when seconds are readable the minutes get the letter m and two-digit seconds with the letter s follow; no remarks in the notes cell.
1h12m12s
